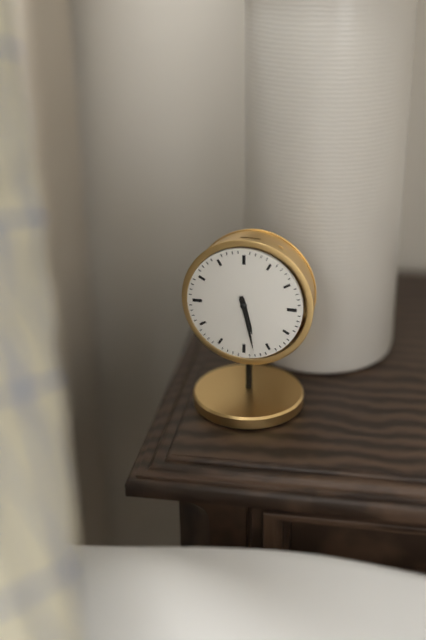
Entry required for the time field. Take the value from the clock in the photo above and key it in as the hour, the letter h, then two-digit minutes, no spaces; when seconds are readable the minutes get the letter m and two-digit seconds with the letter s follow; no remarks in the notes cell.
5h28
